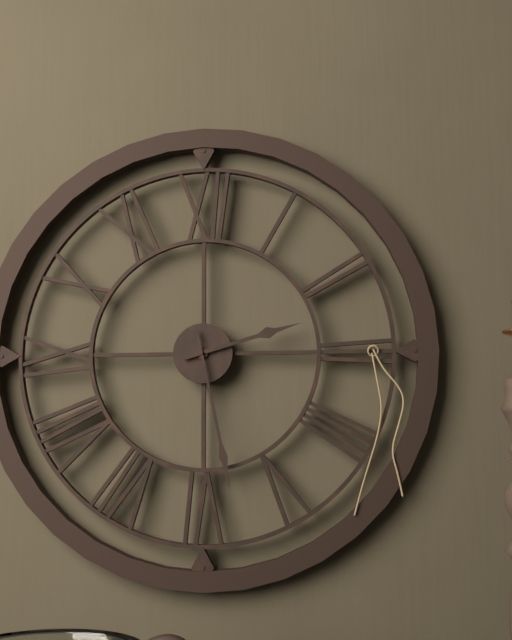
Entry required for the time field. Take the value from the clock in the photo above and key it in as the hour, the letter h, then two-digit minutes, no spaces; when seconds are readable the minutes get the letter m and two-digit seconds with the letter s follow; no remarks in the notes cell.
2h28
